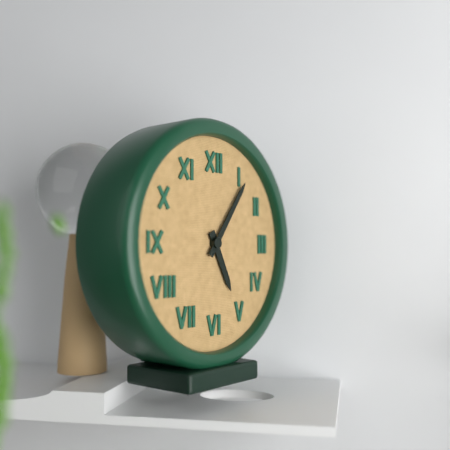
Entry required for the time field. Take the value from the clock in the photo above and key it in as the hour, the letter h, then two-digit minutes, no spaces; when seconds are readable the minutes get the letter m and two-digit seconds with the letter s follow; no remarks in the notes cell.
5h06
